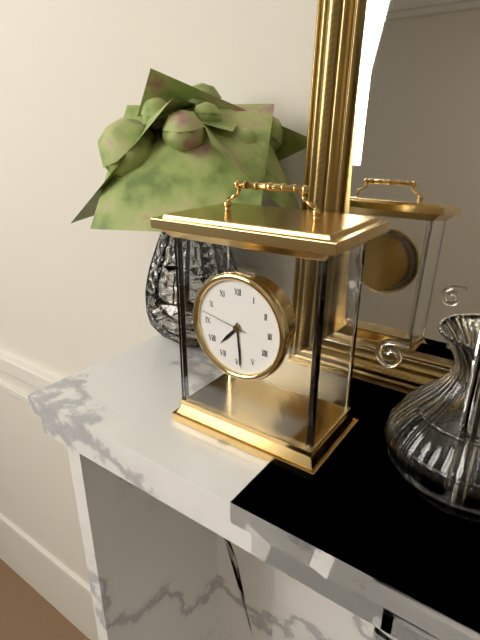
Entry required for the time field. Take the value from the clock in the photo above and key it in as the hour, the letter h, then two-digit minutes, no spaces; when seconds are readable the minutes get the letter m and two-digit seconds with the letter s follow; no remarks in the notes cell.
7h29
